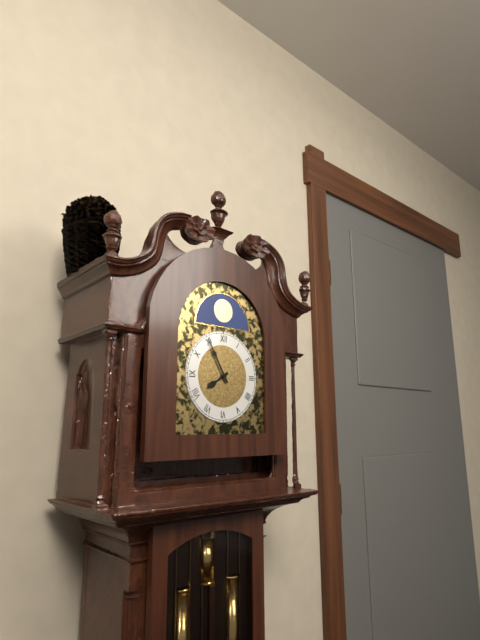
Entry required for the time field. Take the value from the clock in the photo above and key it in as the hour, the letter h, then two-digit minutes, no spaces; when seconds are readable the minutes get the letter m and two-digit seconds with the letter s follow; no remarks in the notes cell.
7h55
